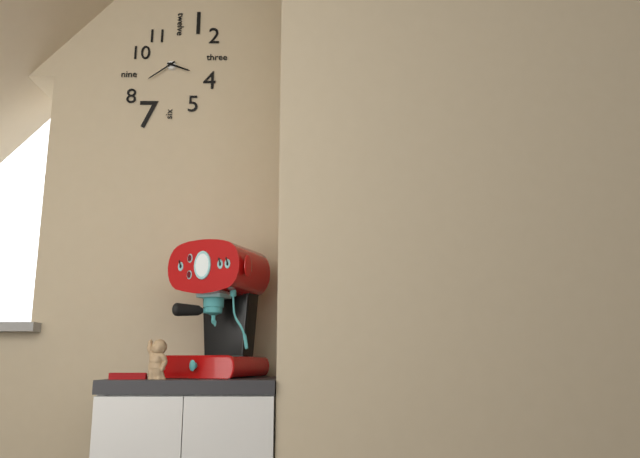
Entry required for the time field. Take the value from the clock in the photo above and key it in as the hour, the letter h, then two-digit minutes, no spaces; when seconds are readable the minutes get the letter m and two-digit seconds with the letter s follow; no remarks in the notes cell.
3h39
